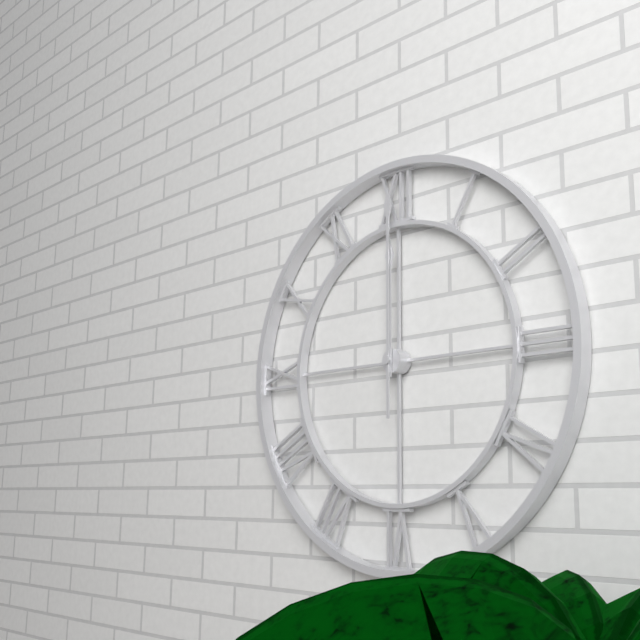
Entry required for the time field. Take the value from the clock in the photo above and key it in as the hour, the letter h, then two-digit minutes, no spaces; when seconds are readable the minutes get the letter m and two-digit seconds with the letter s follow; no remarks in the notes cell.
12h00
